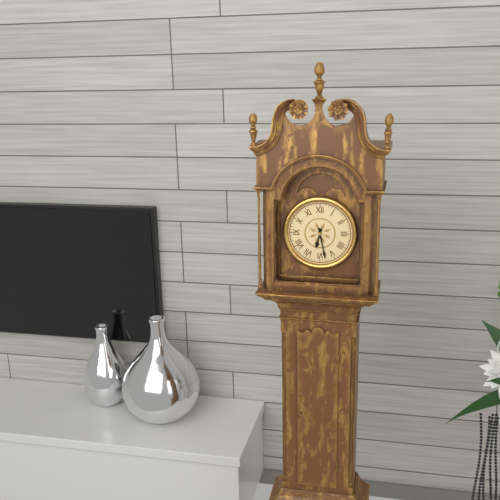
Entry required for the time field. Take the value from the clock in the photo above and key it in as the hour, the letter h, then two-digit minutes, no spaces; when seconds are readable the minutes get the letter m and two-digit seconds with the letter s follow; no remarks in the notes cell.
6h28
